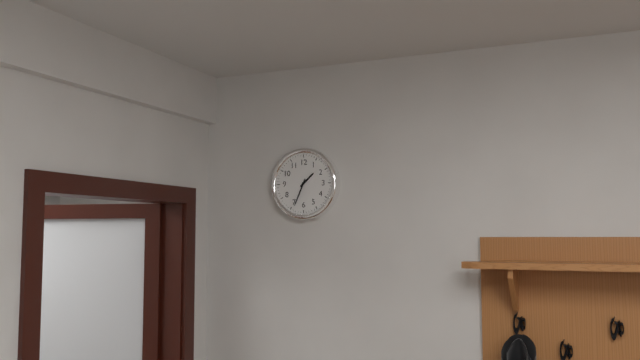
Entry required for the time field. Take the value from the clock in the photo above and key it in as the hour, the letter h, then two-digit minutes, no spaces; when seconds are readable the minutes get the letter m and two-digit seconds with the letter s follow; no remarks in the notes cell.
1h34
